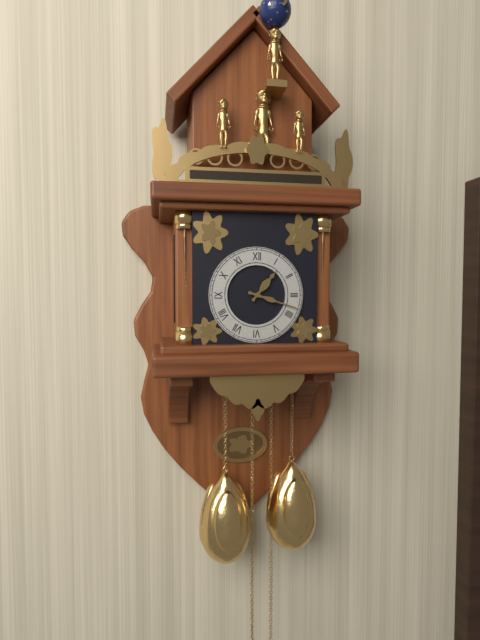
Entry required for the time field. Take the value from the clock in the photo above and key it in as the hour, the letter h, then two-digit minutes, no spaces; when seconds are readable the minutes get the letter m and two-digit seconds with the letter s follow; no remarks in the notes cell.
1h18
